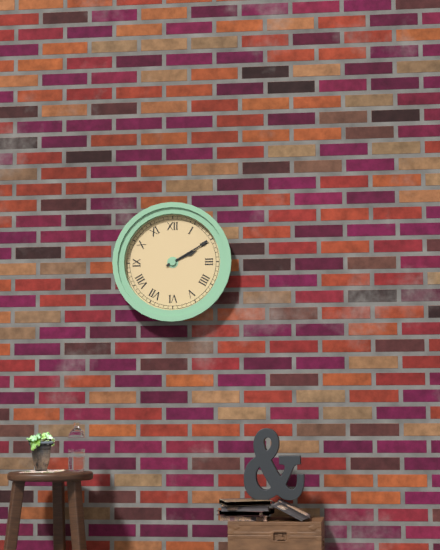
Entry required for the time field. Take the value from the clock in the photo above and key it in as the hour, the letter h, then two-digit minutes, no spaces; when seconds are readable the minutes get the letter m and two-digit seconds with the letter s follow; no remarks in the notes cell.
2h10
